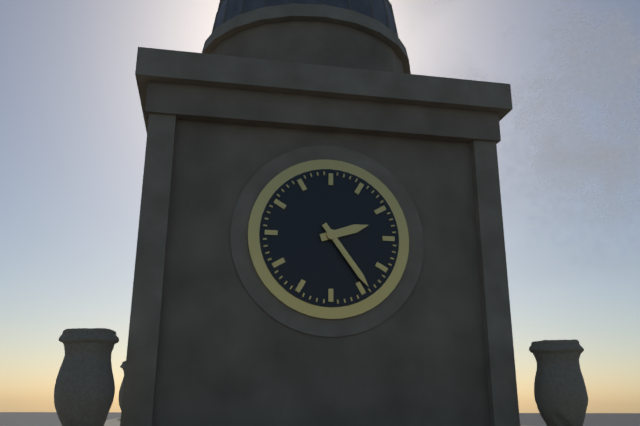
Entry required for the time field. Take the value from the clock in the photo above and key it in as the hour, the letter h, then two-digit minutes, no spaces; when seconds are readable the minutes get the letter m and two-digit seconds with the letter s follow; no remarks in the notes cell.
2h24
